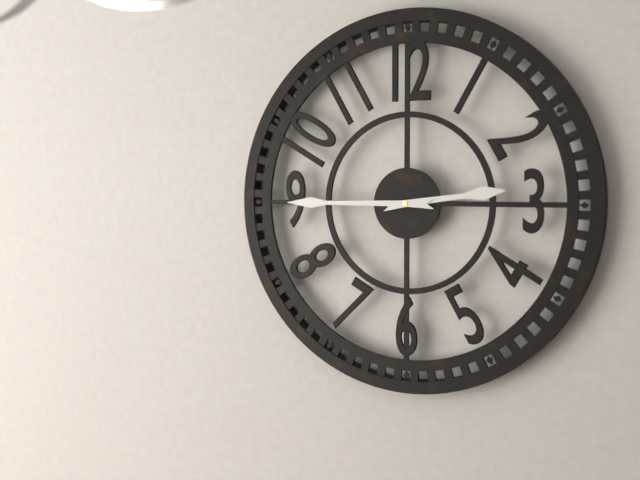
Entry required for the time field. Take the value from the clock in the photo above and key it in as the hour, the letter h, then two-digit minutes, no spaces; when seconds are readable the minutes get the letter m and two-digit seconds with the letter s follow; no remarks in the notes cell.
2h45
